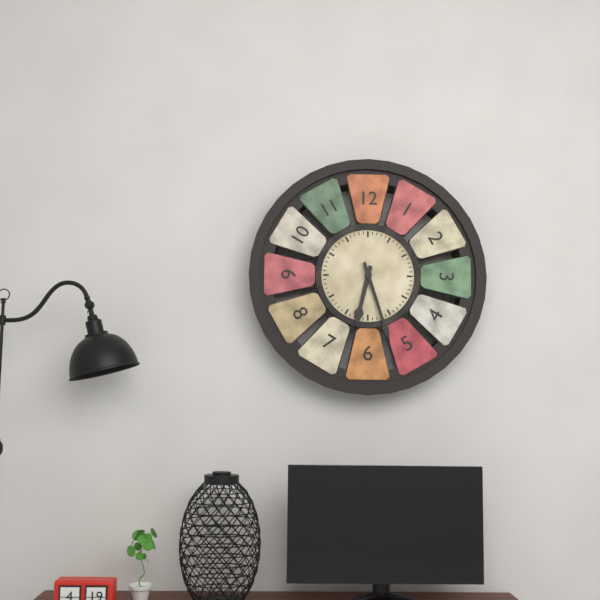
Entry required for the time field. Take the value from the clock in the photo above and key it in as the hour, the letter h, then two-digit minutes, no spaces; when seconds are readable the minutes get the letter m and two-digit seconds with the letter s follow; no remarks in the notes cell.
6h27
